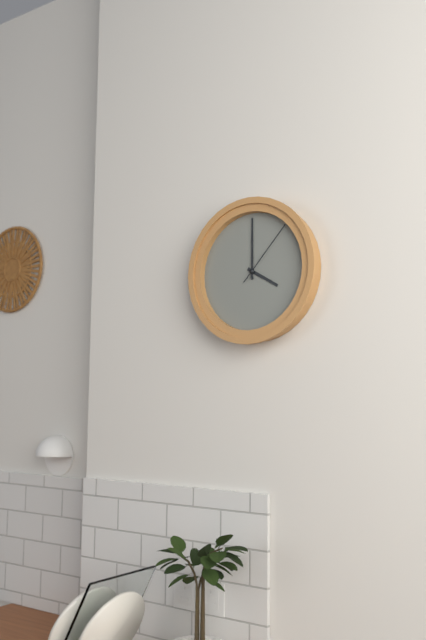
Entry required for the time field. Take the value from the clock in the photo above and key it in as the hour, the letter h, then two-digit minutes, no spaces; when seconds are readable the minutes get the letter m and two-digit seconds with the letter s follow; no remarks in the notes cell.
4h00m07s
